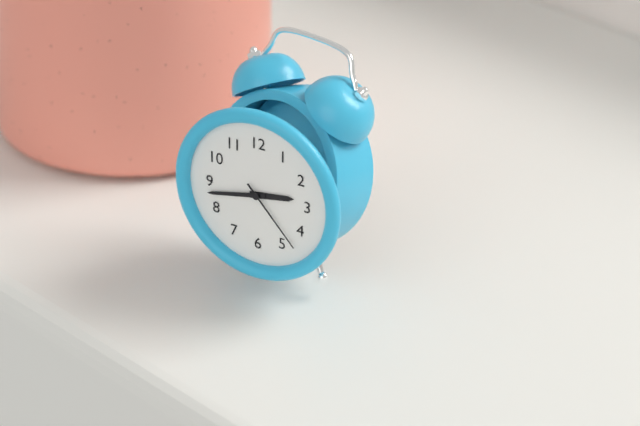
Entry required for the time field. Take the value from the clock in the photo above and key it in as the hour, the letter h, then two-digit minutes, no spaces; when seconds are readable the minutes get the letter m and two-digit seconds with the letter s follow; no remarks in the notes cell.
2h43m23s
